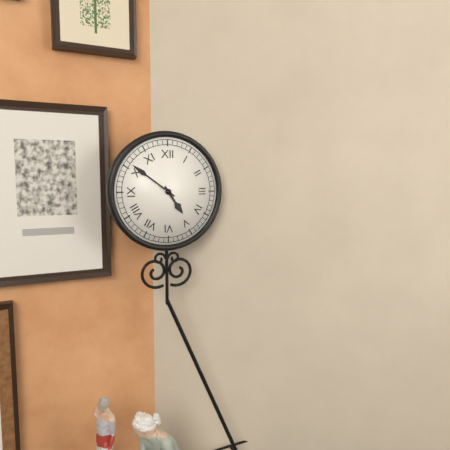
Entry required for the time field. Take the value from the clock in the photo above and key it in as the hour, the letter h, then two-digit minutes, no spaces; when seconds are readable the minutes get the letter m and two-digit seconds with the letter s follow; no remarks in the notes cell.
4h51
